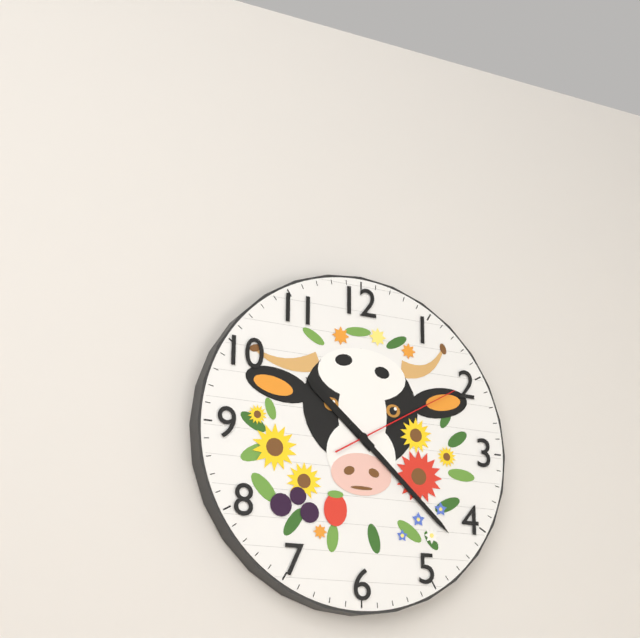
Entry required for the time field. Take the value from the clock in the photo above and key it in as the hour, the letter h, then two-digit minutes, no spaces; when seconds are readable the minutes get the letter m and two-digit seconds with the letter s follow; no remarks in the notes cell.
10h22m10s
